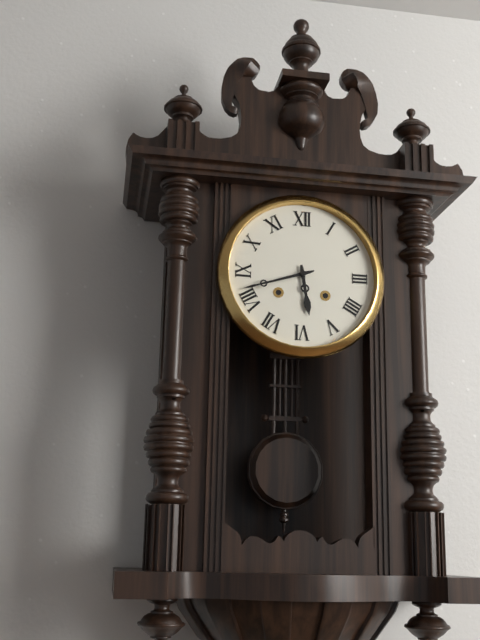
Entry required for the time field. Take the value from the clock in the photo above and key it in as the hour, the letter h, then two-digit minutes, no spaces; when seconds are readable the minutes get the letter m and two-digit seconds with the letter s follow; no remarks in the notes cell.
5h42
